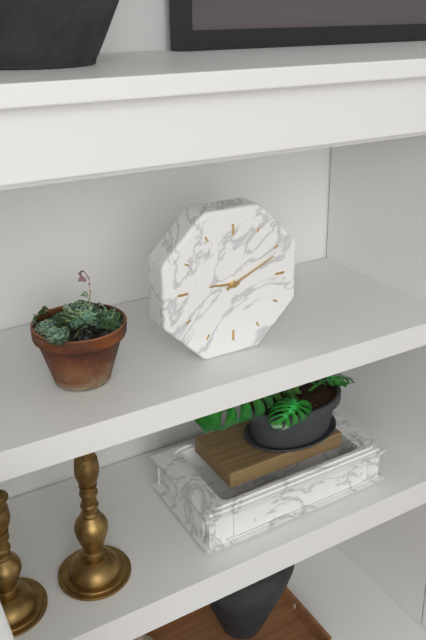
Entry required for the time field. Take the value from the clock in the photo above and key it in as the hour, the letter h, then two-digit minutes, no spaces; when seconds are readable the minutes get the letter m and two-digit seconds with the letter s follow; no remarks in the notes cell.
9h11
